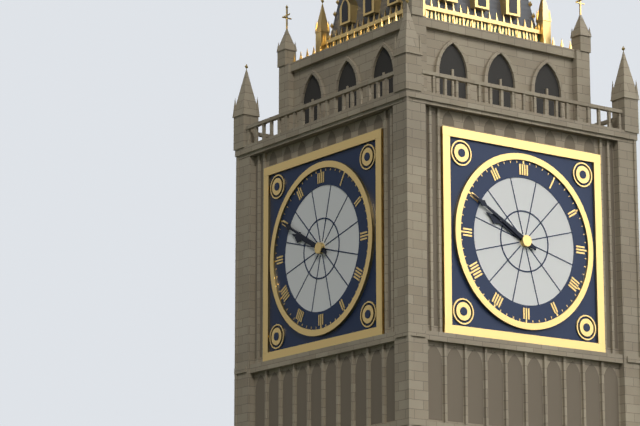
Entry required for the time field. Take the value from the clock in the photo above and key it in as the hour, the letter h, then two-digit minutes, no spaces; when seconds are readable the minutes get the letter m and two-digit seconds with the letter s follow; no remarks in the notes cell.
9h50
